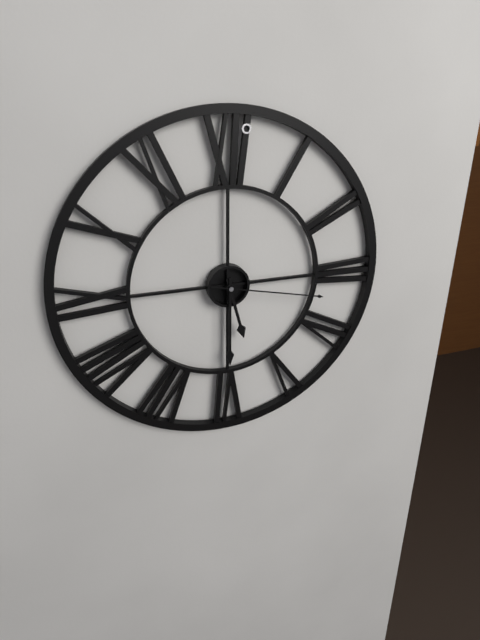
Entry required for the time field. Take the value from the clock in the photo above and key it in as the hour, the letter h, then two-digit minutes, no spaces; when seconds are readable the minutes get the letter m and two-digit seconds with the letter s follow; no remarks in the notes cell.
5h30m17s
